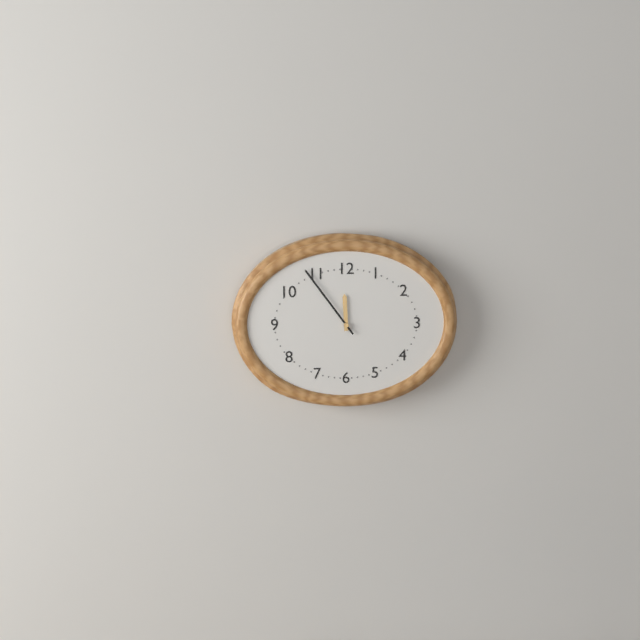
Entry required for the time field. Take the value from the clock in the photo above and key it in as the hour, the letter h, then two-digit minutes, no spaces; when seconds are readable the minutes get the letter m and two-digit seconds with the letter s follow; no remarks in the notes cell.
11h54
